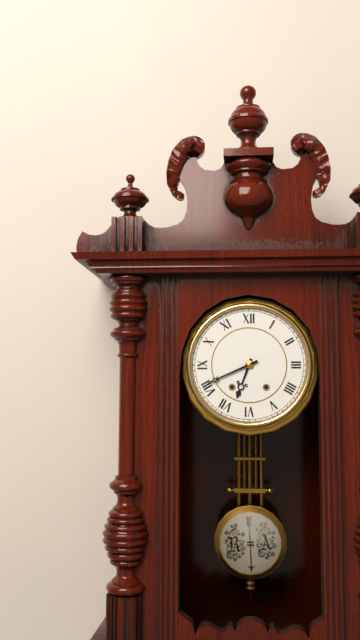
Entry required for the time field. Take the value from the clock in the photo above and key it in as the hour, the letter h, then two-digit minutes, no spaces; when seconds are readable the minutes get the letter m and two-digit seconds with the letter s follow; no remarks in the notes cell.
6h41
